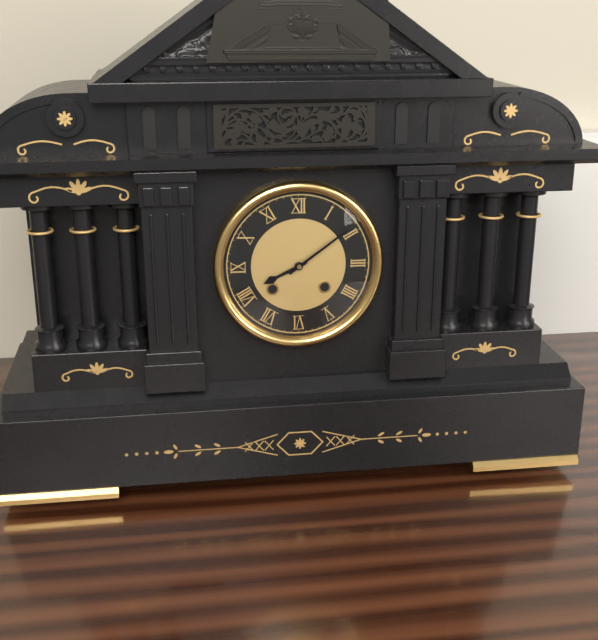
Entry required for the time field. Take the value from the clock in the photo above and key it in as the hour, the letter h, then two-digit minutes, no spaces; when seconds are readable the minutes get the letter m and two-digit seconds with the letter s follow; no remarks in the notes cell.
8h09
